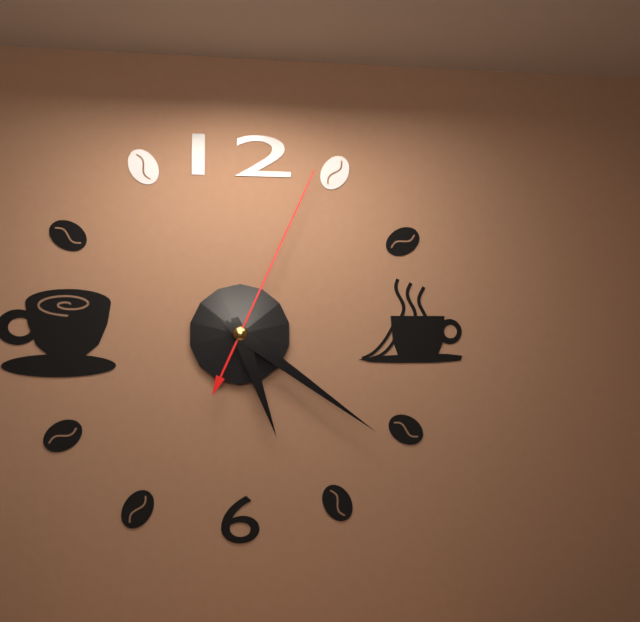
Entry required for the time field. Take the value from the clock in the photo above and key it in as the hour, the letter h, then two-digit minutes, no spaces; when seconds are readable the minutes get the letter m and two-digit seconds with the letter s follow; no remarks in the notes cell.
5h21m04s
